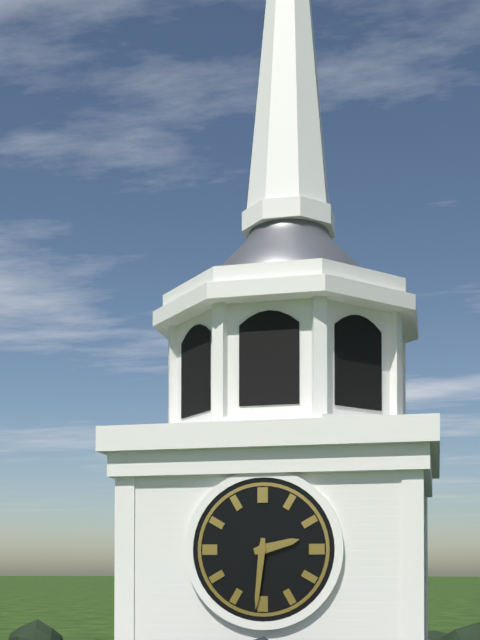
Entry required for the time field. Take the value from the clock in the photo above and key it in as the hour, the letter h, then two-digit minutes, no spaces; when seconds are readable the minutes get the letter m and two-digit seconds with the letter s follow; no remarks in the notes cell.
2h31
